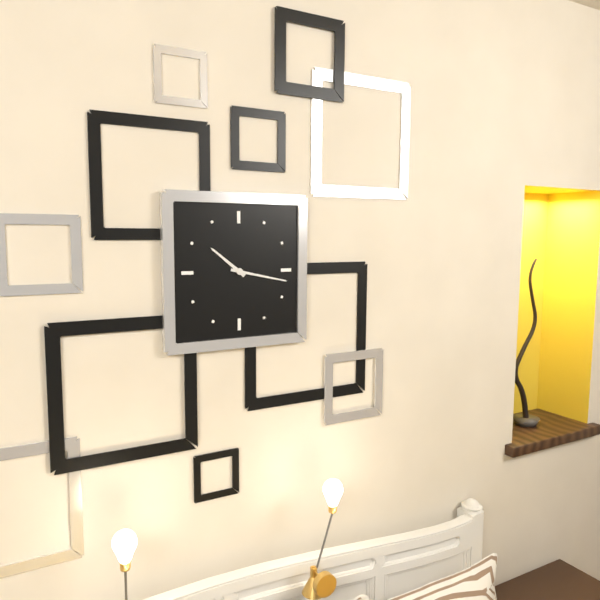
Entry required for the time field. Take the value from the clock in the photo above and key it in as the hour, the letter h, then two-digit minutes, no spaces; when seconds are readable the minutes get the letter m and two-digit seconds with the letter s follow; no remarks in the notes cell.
10h17
